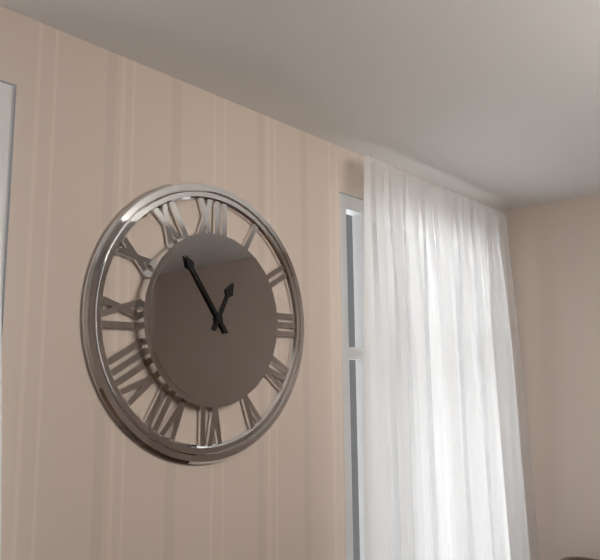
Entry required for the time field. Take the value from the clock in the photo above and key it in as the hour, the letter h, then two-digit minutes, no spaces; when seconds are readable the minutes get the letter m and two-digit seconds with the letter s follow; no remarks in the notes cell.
12h54
